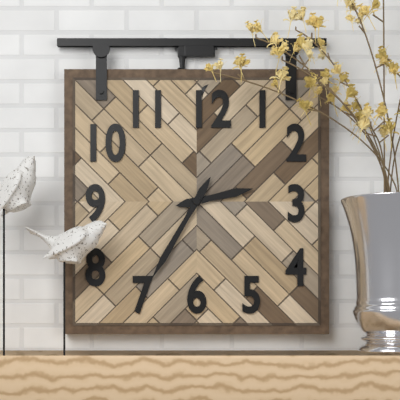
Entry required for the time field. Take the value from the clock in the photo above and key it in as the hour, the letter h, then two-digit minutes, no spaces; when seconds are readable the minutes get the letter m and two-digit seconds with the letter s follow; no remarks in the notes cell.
2h35
